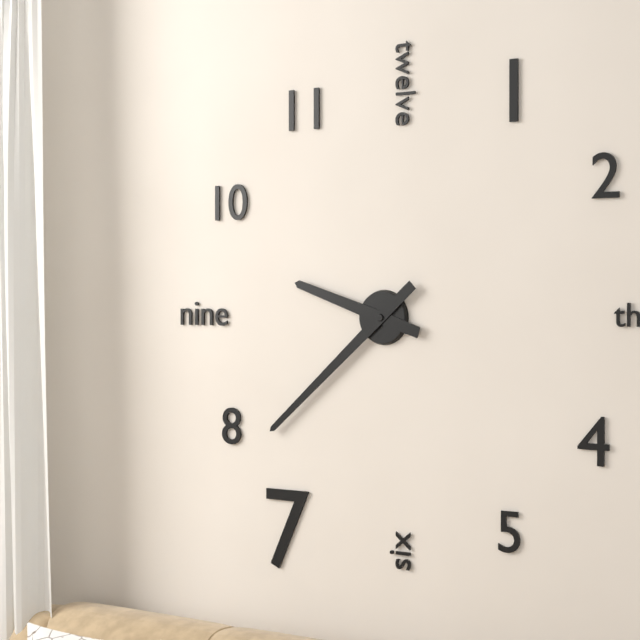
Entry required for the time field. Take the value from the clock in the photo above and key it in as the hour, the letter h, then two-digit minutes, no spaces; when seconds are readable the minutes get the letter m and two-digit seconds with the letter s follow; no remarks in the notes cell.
9h38
